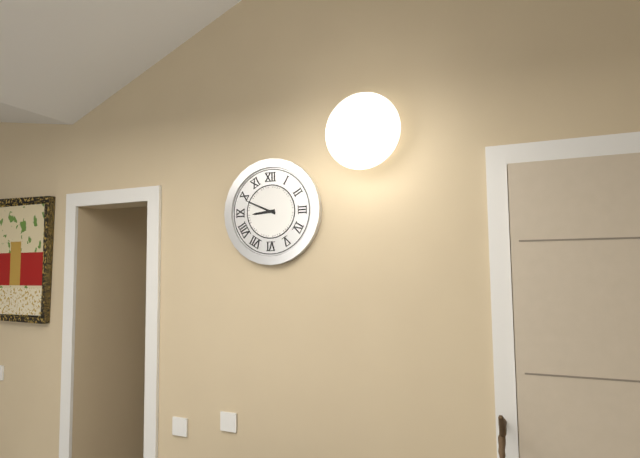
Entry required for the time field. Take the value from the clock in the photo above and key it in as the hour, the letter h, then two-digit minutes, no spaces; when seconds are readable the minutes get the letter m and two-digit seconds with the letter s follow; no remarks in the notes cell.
8h49
